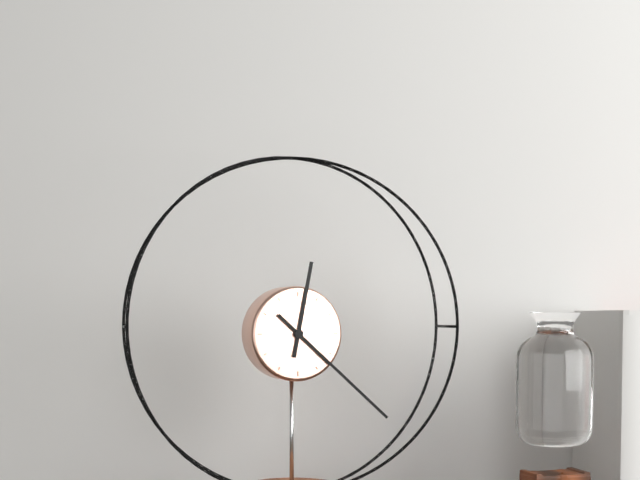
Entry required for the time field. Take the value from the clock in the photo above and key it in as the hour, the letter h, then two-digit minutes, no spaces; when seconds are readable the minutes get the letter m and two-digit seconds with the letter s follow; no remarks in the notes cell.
12h22
